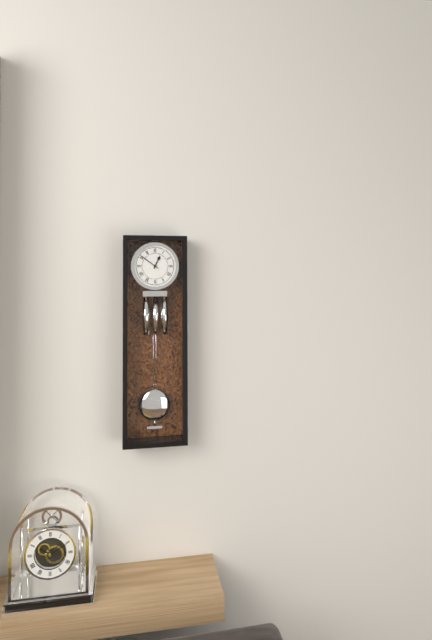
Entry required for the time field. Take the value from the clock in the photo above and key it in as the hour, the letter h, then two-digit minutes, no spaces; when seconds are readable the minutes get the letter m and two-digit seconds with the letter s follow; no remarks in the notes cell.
12h51
